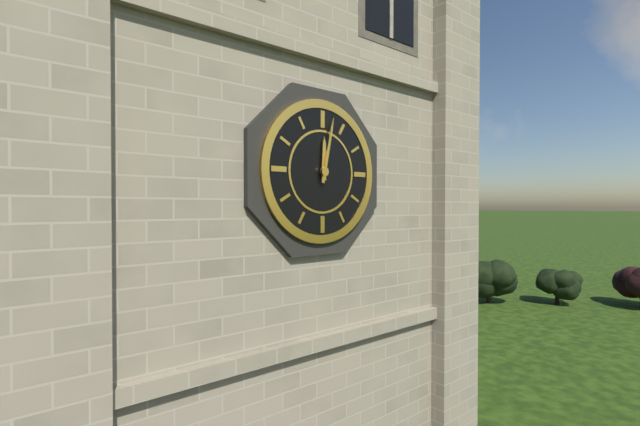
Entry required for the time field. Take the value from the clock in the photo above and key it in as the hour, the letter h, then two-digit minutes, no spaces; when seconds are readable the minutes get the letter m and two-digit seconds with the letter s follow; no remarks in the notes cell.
12h02
